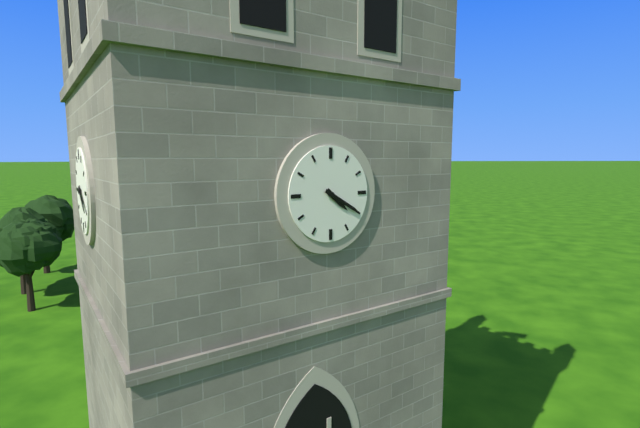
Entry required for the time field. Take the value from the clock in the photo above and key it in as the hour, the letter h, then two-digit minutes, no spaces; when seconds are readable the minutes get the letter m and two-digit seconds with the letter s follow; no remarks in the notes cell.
4h20
